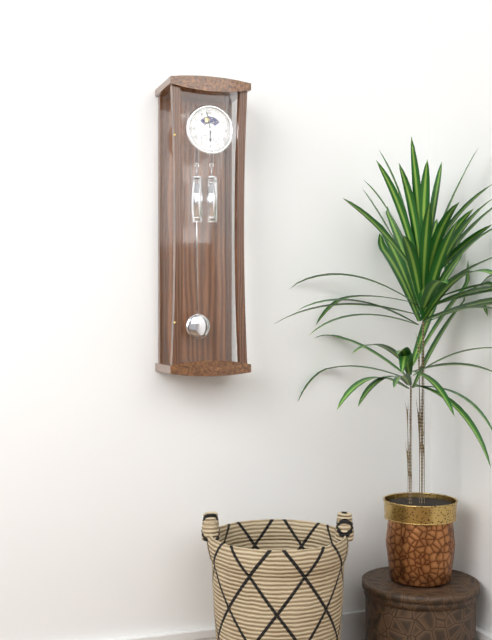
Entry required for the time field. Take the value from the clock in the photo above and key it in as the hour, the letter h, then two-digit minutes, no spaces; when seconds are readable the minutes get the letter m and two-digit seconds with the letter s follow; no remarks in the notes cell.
5h58
